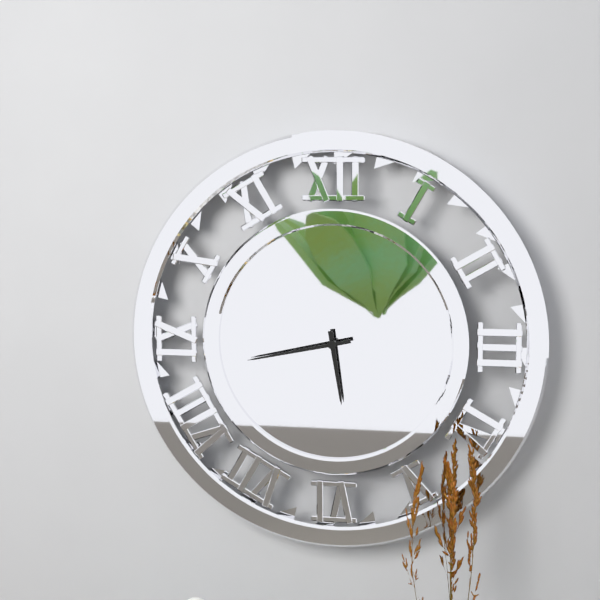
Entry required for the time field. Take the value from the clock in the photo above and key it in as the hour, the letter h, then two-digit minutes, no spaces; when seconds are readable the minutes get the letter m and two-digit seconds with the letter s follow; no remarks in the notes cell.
5h43
